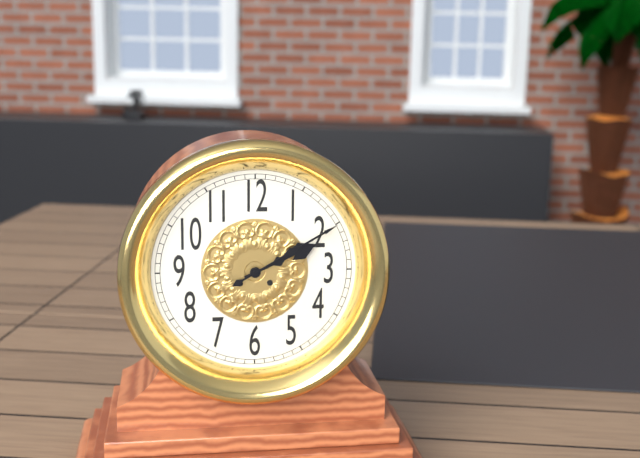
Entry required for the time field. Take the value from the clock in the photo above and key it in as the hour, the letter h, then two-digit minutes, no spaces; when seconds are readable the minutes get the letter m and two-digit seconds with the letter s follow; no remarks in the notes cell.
2h10
